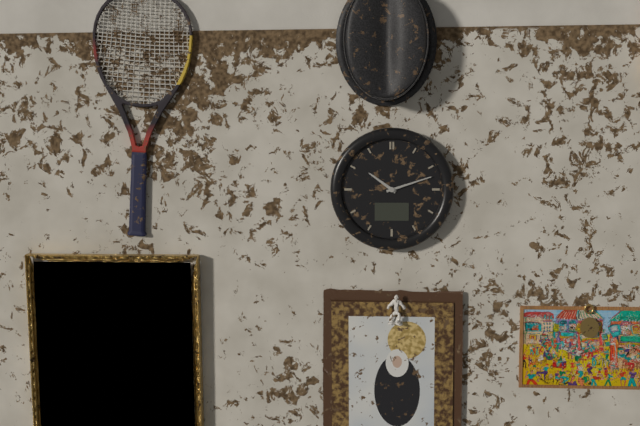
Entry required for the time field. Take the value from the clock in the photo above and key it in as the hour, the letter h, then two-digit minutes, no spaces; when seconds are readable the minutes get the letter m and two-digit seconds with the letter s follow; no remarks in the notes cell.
10h12
